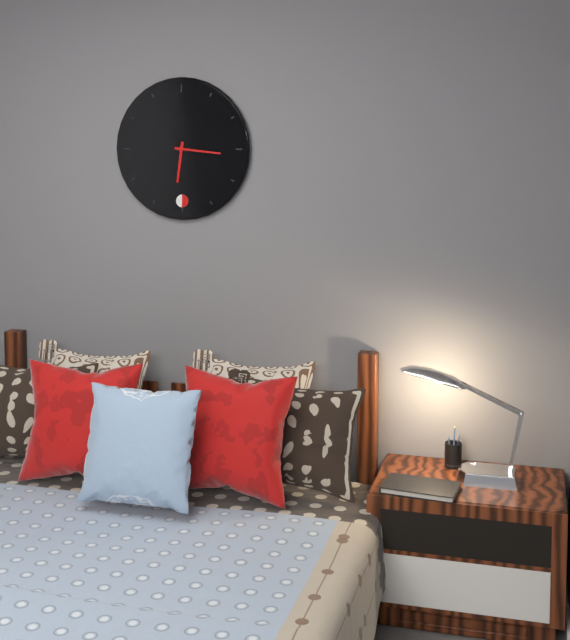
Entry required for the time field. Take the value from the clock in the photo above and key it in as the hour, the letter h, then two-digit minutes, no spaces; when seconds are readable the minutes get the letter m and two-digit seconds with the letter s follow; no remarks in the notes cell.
6h16
